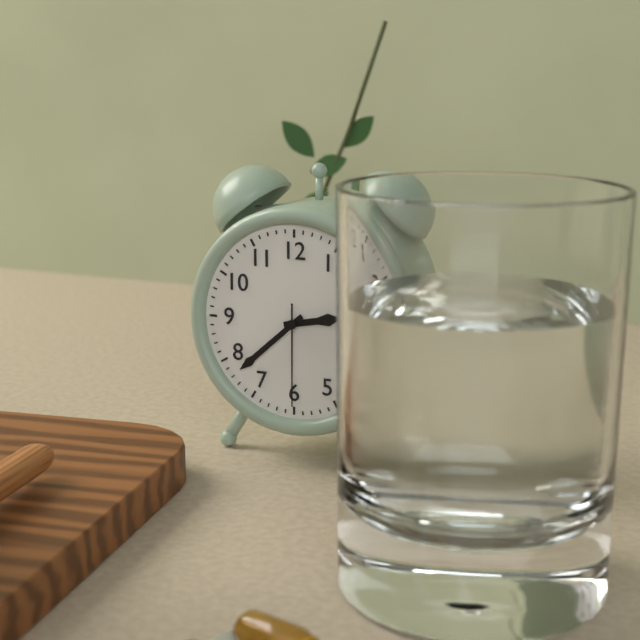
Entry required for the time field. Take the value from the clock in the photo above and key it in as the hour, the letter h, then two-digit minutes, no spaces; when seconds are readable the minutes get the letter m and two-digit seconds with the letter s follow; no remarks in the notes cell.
2h38m30s
